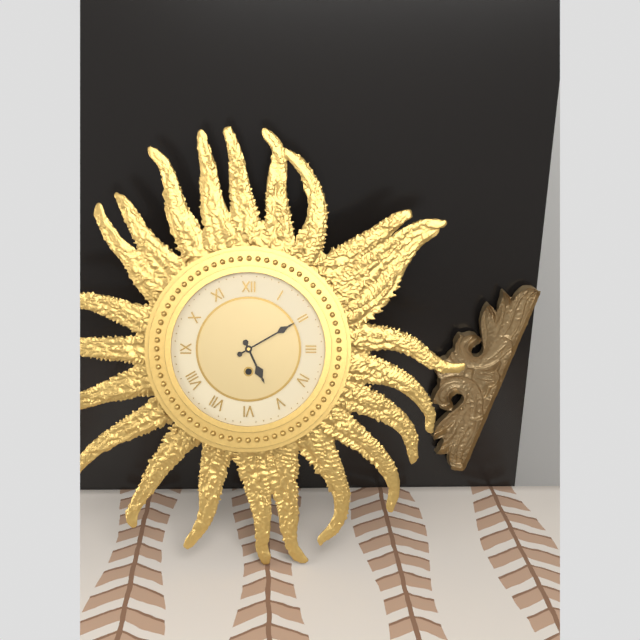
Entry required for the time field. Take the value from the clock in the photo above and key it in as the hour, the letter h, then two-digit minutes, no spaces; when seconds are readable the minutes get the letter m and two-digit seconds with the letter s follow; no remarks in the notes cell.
5h10
